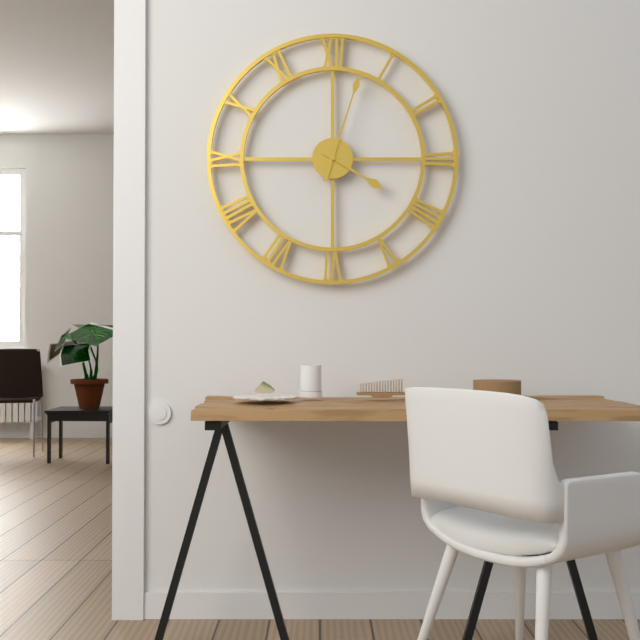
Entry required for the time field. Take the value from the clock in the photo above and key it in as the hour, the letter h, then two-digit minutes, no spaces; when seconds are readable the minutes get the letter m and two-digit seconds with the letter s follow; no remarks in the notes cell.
4h03
